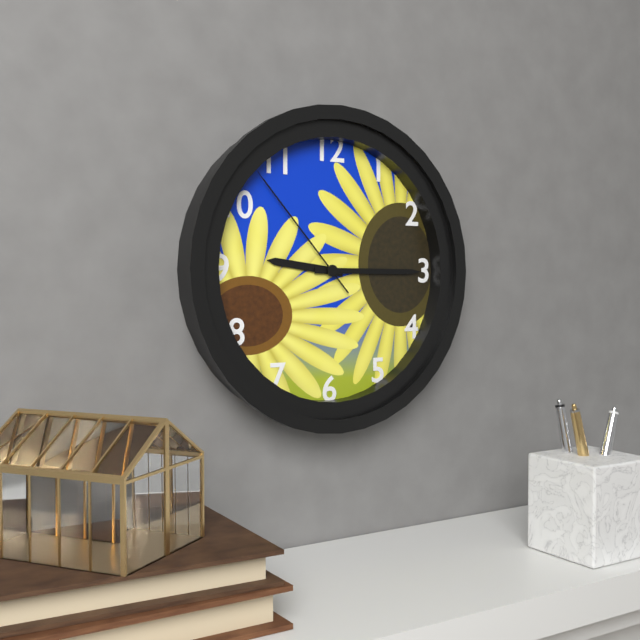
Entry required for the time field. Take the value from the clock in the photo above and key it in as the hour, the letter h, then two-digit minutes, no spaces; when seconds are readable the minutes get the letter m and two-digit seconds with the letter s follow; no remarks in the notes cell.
9h15m53s
